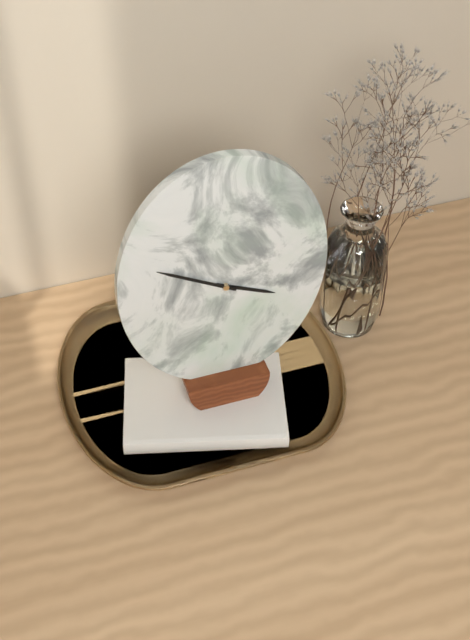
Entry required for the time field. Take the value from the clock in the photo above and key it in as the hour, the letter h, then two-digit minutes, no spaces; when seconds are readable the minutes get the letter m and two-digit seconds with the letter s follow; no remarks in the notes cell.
3h50
